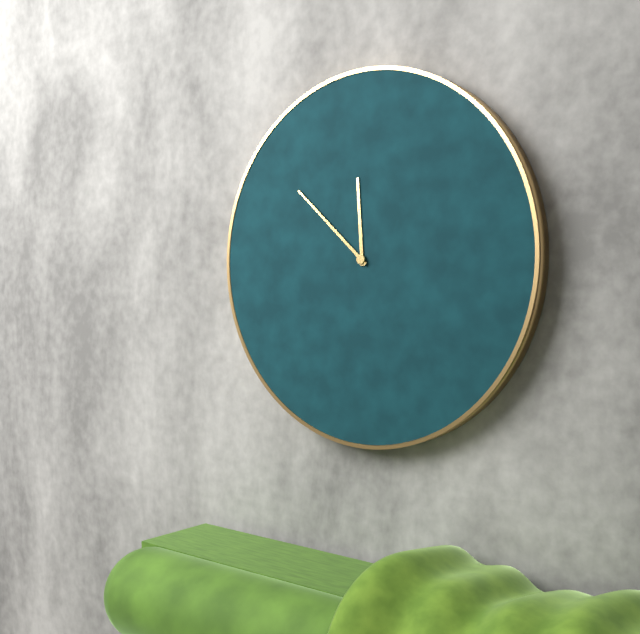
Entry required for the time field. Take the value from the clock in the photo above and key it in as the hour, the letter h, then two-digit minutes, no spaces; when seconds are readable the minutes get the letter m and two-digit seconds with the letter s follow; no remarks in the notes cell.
11h52
